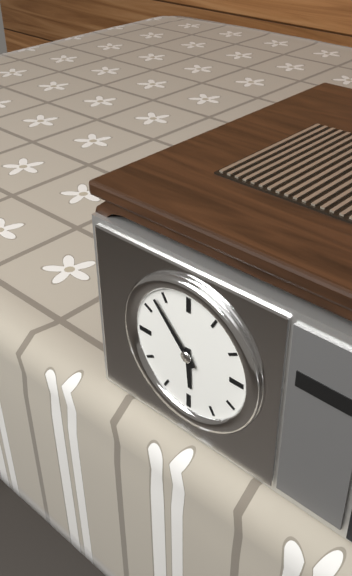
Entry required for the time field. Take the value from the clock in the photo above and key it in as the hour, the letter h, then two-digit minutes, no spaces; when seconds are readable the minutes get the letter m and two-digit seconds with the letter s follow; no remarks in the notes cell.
5h53
